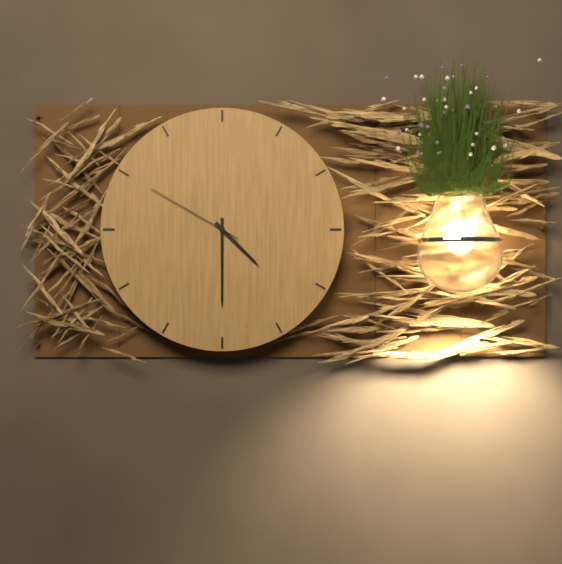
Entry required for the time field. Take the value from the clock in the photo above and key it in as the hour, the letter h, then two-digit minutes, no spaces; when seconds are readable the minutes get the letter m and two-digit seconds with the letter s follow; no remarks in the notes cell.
4h30m50s
